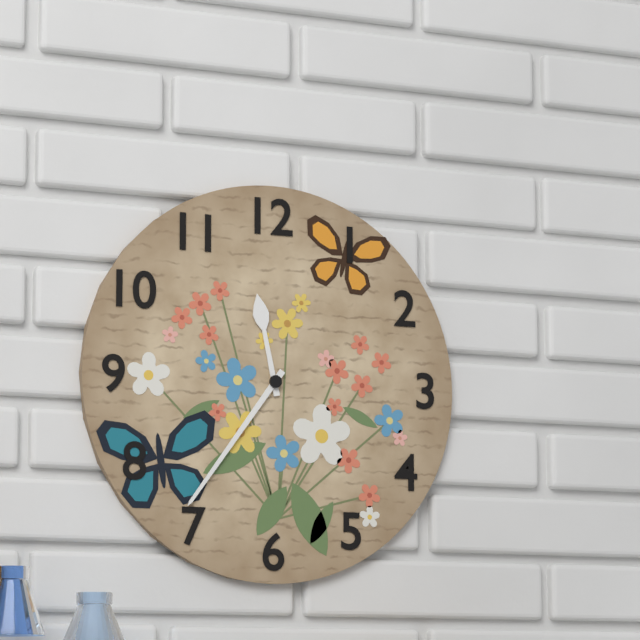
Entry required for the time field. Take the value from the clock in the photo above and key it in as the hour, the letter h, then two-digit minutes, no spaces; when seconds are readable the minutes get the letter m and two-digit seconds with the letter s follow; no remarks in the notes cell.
11h36
